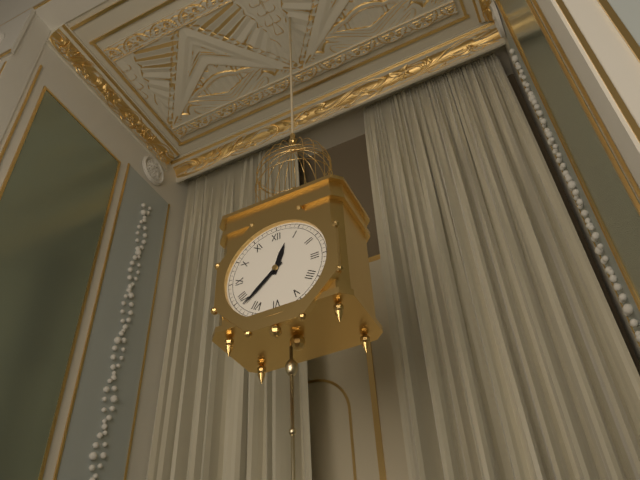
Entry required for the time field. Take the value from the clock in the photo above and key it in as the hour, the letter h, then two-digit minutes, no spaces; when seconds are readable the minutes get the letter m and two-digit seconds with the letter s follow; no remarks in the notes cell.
12h38
